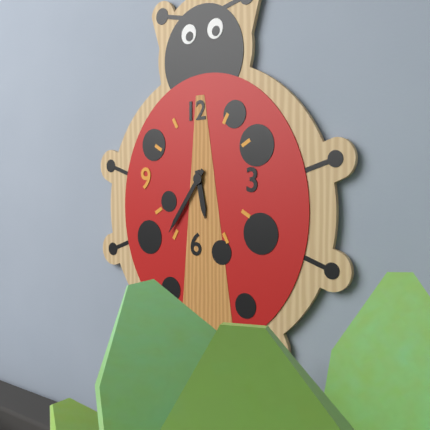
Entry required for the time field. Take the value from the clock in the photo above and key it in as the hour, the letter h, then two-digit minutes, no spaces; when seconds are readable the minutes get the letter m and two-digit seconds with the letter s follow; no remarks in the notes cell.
5h36
